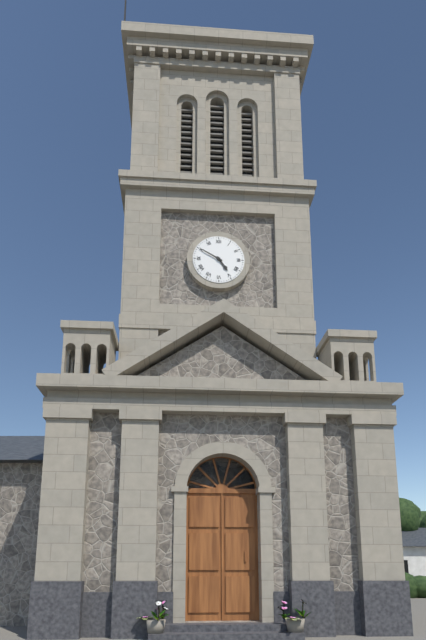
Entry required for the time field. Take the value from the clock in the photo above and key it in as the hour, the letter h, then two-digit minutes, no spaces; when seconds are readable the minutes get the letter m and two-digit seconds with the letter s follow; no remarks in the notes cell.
4h50
